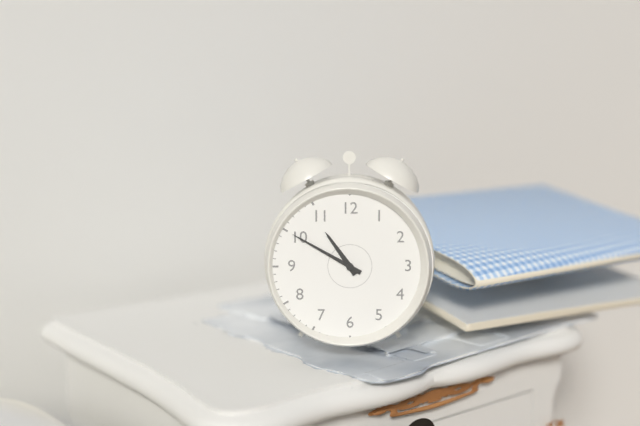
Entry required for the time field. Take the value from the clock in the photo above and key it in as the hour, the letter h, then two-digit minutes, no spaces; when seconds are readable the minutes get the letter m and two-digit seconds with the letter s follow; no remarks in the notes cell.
10h50
